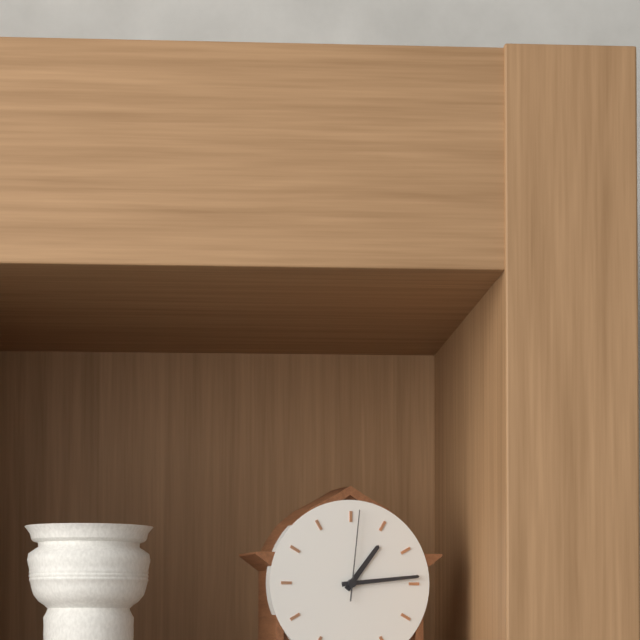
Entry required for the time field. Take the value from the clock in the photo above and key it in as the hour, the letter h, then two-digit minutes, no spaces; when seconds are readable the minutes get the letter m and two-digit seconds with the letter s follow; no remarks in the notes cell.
1h14m01s
